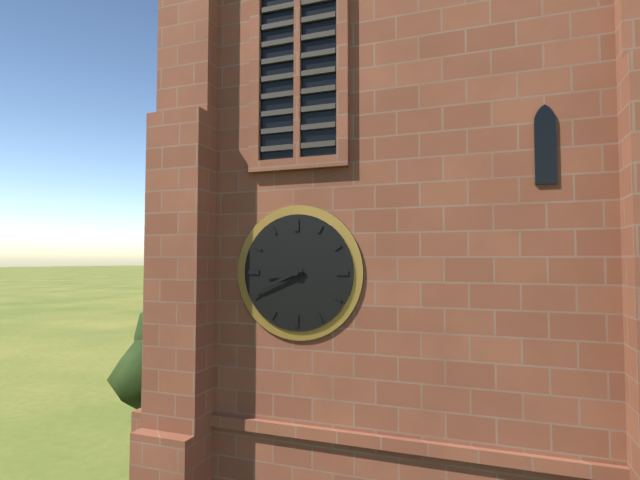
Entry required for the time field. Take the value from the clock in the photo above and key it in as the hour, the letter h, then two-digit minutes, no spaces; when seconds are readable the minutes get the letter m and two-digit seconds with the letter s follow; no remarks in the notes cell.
8h41
